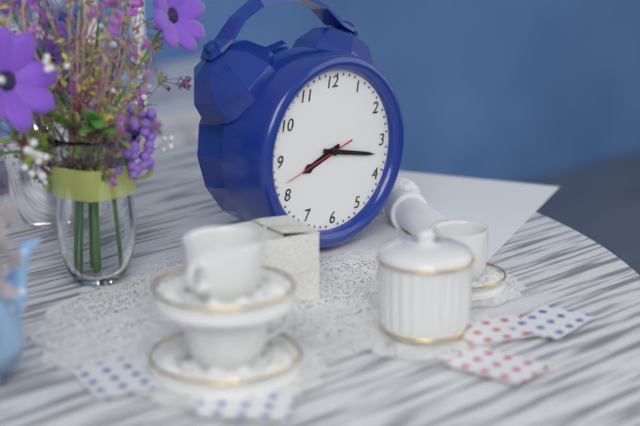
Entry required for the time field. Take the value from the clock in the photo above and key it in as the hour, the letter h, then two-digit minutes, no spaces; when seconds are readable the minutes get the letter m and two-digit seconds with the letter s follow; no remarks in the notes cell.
8h17m42s
